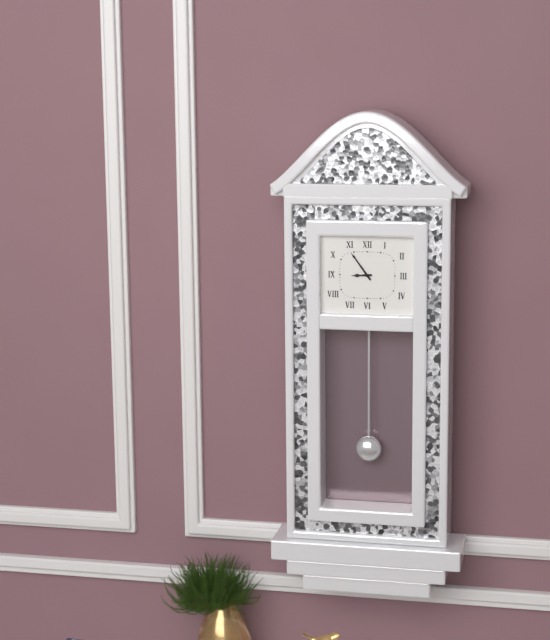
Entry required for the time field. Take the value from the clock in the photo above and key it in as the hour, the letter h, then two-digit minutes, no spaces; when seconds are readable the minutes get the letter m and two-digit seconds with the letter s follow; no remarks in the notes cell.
8h54
